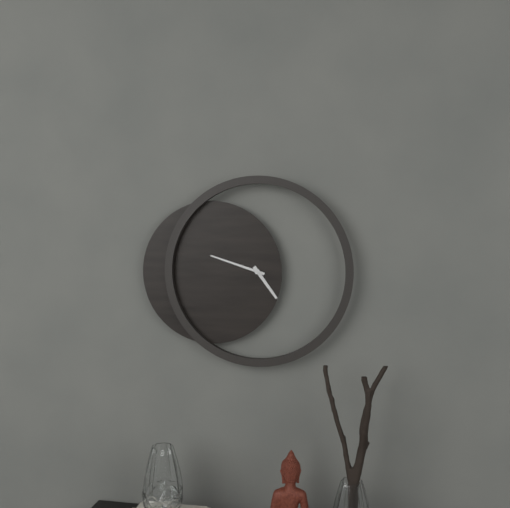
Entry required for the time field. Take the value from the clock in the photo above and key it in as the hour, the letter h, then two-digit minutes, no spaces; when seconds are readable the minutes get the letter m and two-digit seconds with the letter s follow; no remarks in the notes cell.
4h48
